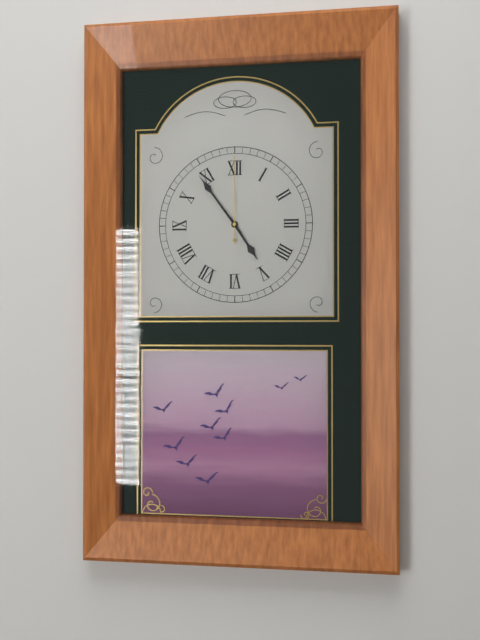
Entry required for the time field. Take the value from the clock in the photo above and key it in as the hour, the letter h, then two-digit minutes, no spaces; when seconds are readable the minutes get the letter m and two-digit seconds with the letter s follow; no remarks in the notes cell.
4h54m00s
